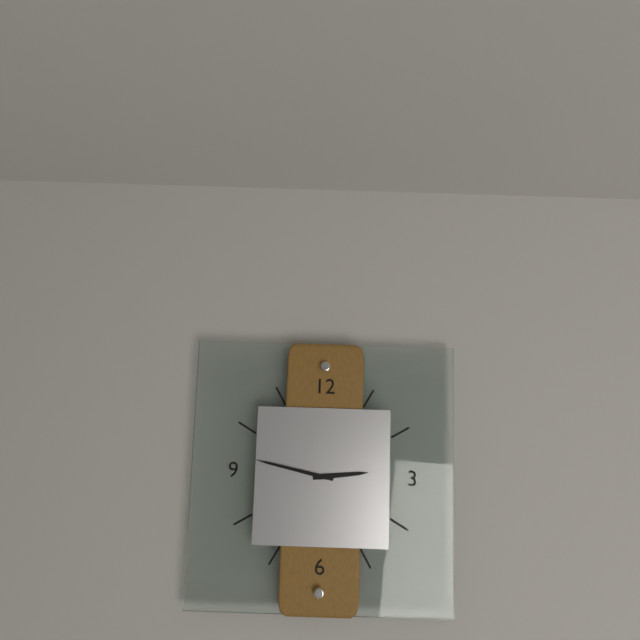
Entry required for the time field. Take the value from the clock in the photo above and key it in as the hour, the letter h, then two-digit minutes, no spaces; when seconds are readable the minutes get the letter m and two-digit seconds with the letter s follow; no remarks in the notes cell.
2h47
